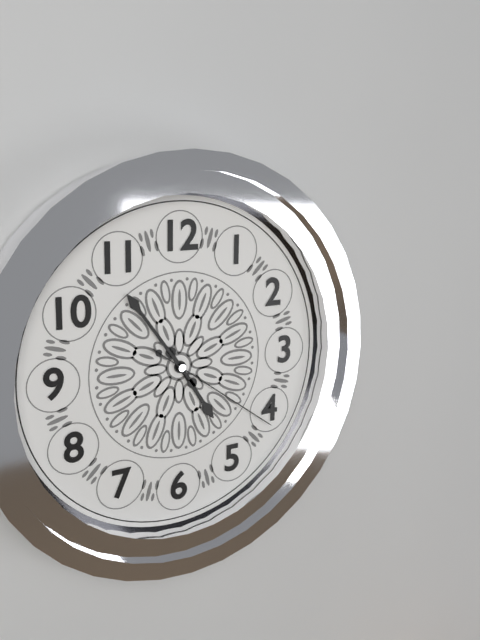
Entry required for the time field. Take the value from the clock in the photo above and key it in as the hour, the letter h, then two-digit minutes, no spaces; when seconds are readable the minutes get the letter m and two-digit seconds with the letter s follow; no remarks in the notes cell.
4h54m21s
